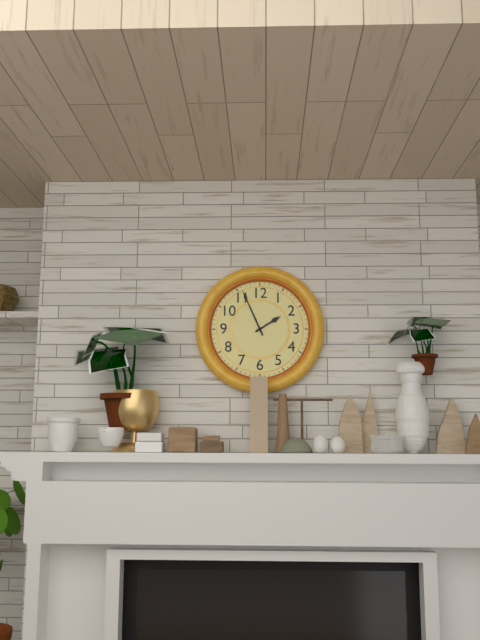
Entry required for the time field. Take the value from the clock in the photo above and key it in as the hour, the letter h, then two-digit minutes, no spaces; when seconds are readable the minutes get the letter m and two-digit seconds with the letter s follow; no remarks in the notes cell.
1h56
